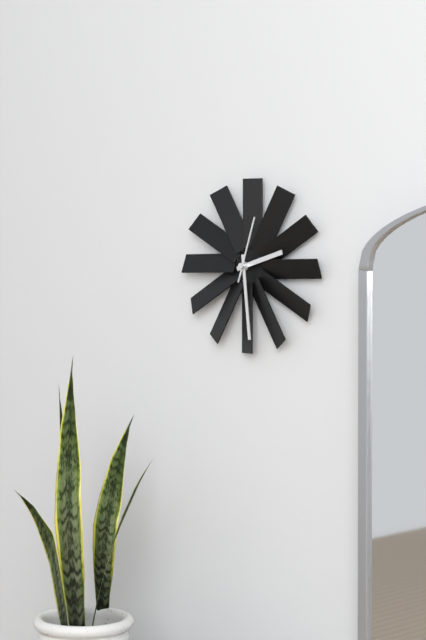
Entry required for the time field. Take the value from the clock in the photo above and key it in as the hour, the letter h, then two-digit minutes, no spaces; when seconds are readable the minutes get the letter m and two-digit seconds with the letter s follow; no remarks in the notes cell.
2h29m03s
